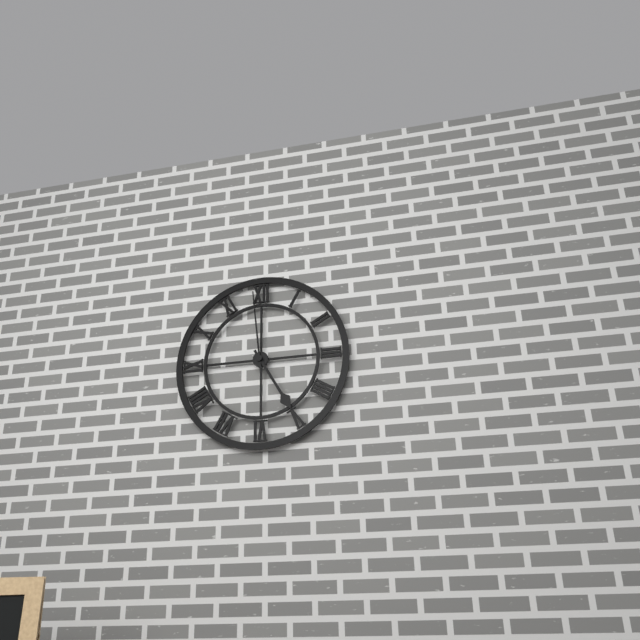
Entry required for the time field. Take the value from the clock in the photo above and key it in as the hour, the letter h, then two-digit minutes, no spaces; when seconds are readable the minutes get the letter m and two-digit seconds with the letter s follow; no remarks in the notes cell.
4h59
